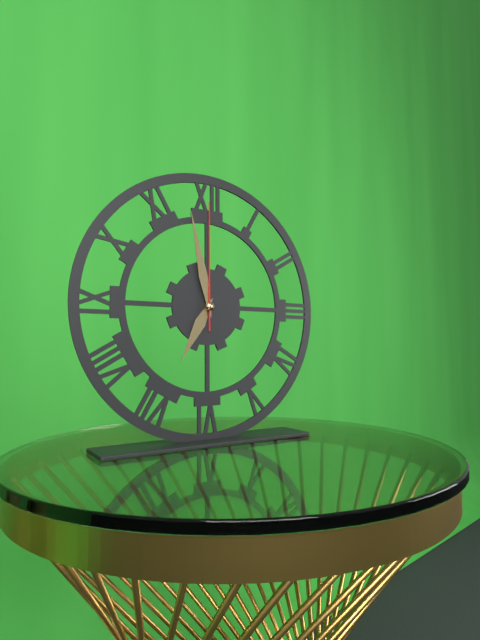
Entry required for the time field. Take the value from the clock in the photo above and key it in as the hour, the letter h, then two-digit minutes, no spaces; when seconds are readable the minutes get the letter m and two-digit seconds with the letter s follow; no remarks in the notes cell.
6h58m00s
